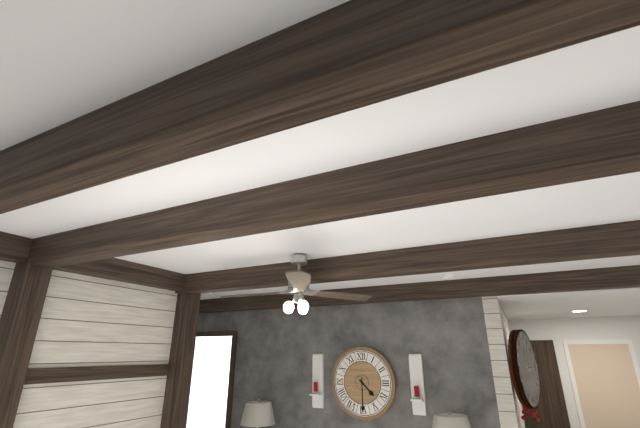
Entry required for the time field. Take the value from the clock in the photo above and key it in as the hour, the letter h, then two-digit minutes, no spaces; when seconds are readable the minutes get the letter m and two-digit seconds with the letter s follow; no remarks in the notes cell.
4h30
